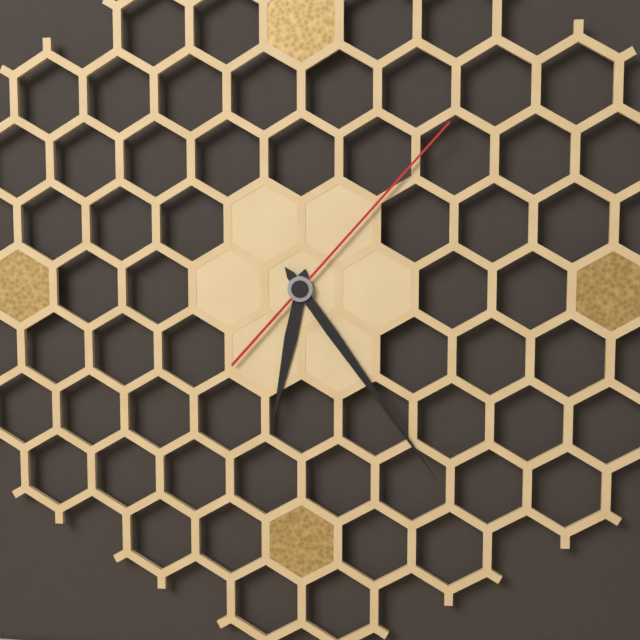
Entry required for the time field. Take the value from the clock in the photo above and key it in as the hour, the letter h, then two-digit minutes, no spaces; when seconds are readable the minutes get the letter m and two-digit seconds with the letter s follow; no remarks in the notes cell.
6h24m07s
